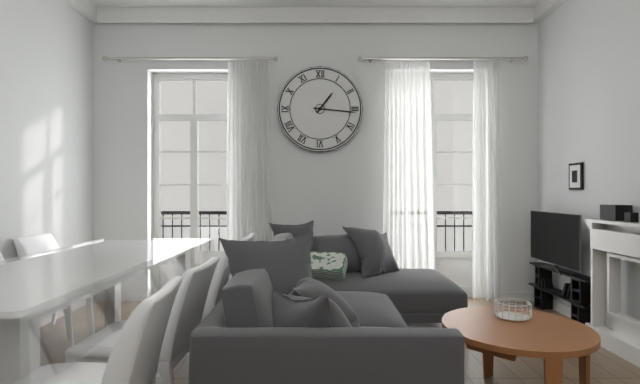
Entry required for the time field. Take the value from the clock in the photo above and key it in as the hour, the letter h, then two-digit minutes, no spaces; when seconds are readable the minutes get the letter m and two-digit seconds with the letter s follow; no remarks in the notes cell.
1h16
